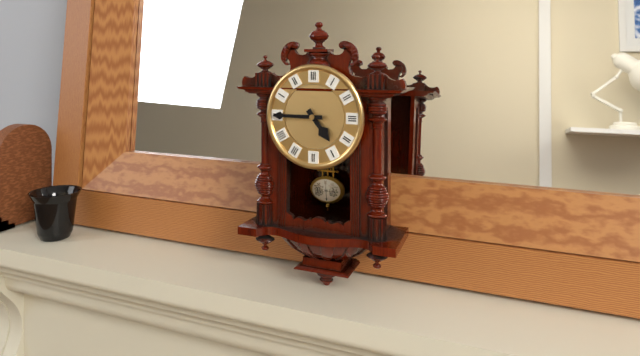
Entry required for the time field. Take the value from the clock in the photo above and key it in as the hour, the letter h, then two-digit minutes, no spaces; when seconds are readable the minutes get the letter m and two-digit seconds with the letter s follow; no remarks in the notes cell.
4h45
